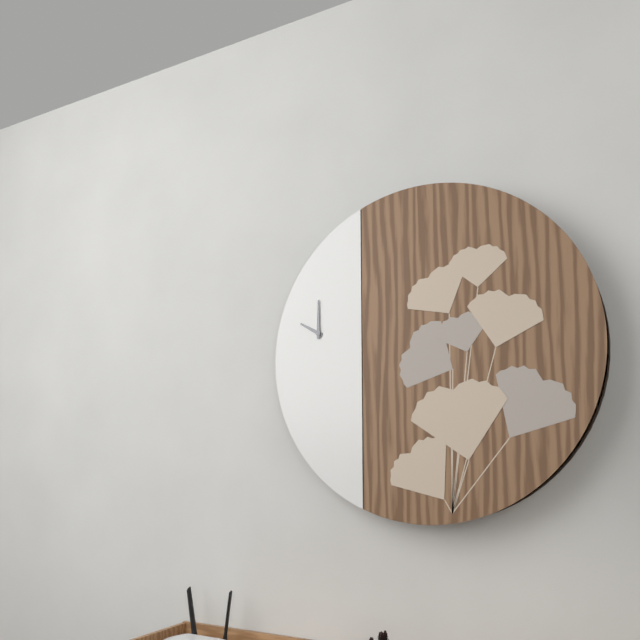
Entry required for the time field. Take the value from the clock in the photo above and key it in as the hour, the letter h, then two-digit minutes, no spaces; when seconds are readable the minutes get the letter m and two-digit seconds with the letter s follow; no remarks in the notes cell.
10h00
